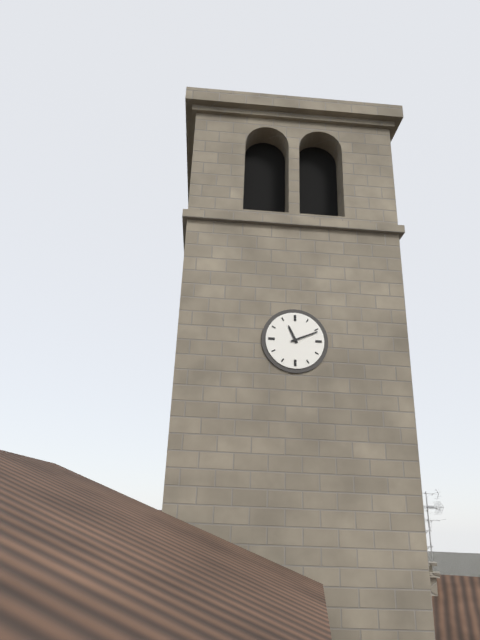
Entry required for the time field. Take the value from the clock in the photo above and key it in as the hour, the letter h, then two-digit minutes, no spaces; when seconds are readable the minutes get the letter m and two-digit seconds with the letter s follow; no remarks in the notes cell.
11h11
